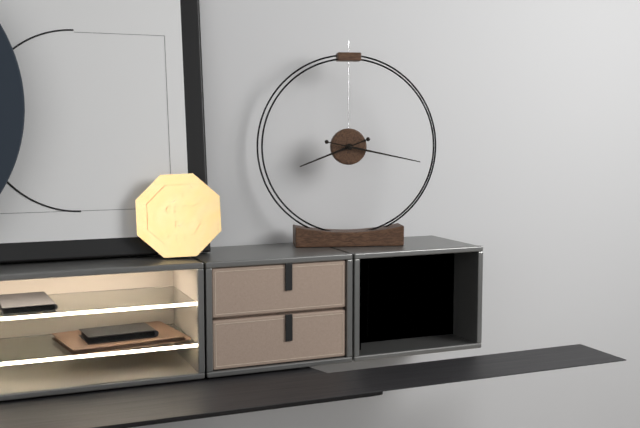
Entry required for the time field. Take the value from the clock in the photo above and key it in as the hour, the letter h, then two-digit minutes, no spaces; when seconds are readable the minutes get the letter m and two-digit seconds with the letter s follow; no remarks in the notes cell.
8h17
